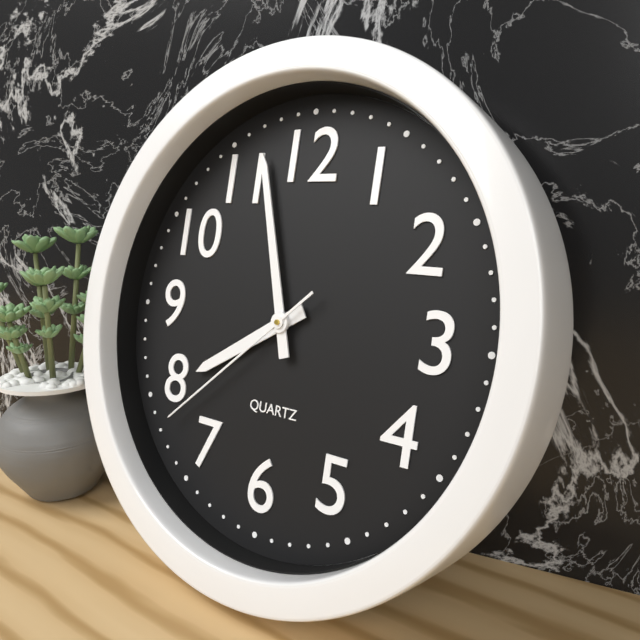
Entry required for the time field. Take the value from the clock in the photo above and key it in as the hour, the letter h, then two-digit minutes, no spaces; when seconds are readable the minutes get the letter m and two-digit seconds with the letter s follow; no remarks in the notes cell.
7h57m38s
